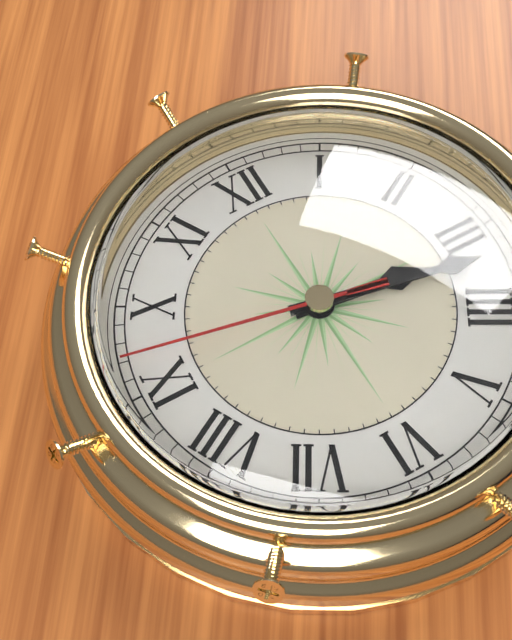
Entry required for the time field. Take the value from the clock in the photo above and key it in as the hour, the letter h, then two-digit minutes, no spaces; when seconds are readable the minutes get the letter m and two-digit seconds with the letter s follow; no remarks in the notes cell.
3h17m47s
